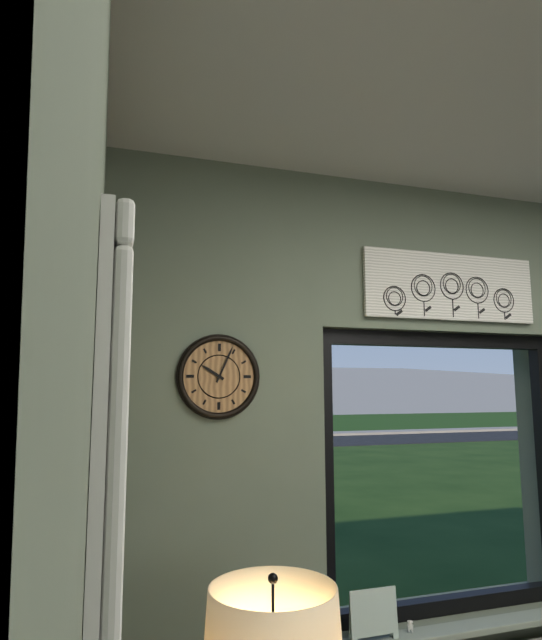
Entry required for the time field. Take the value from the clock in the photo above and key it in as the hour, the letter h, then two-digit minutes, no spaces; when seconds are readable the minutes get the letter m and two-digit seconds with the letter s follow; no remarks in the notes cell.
10h04
